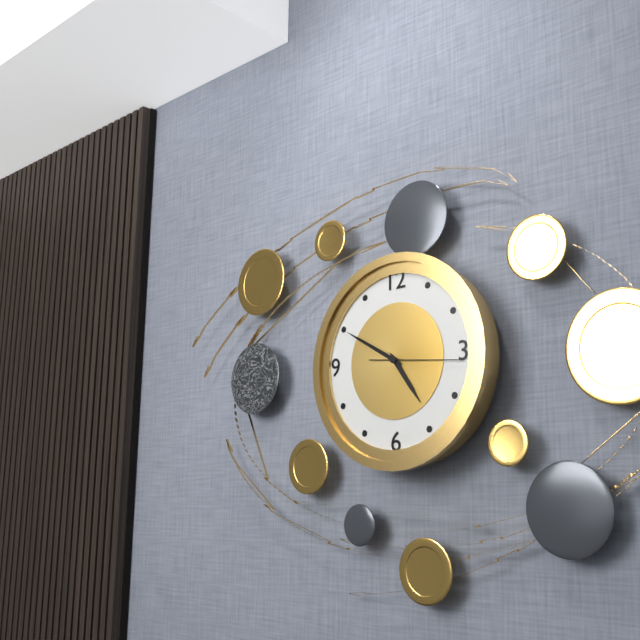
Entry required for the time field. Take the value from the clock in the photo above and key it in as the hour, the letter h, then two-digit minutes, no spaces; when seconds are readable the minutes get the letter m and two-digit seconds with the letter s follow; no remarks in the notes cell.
4h50m16s
